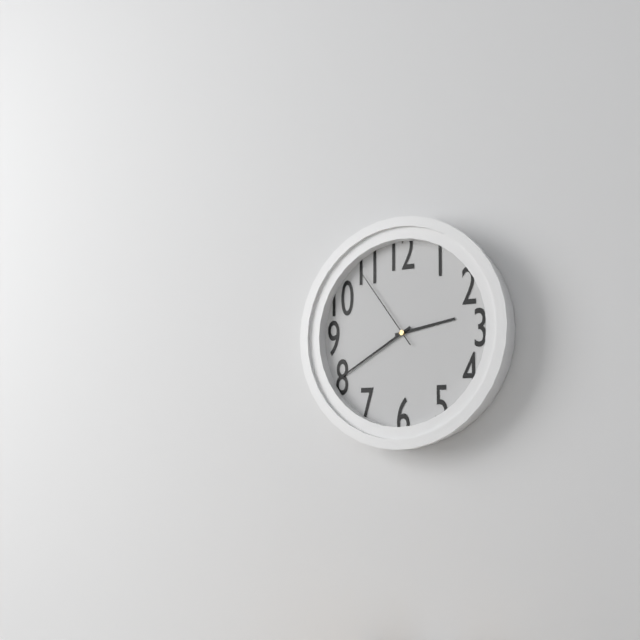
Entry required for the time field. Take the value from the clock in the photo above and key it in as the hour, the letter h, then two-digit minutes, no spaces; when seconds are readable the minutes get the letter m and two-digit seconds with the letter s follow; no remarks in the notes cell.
2h40m54s
